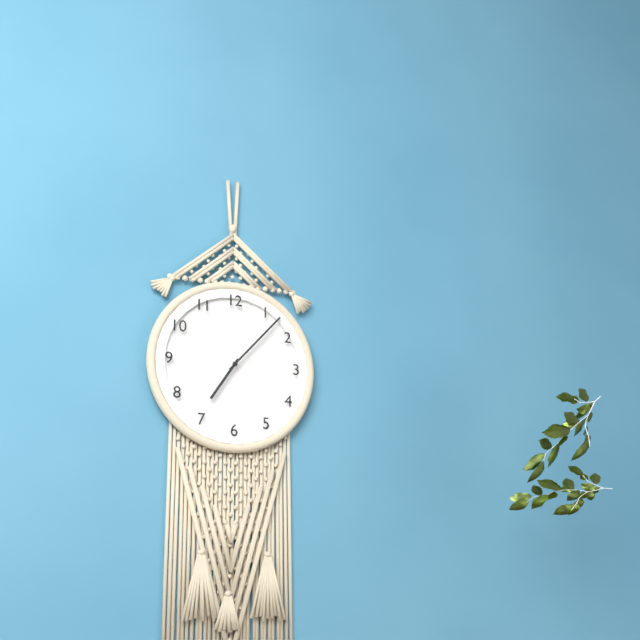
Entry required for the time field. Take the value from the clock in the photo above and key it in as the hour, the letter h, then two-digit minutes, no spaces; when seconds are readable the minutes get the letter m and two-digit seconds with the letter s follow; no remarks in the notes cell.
7h07
